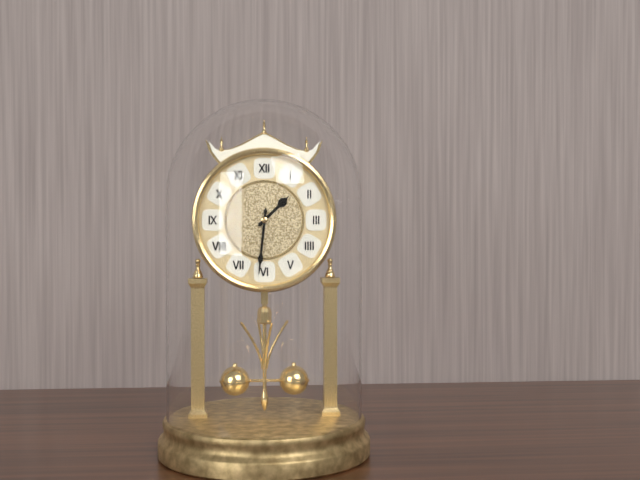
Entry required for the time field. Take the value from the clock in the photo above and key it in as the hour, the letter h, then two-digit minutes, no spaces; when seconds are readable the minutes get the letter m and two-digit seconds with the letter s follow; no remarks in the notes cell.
1h31
